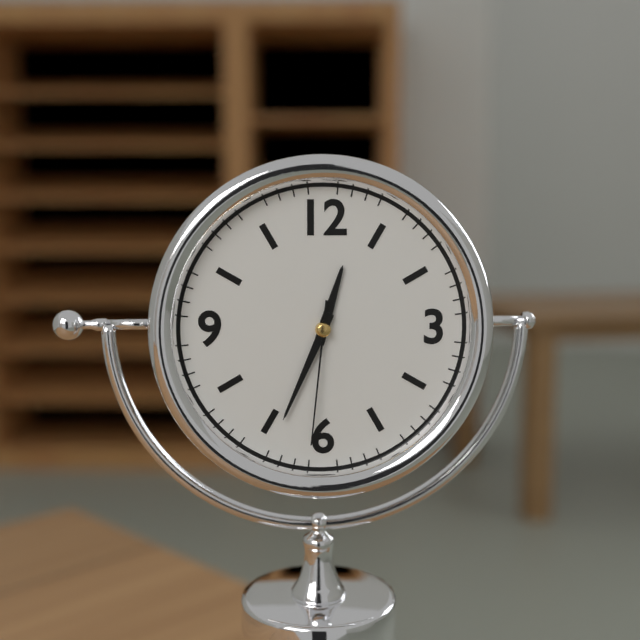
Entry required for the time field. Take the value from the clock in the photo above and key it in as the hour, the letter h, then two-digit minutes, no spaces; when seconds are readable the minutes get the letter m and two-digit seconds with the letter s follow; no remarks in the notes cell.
12h34m31s
